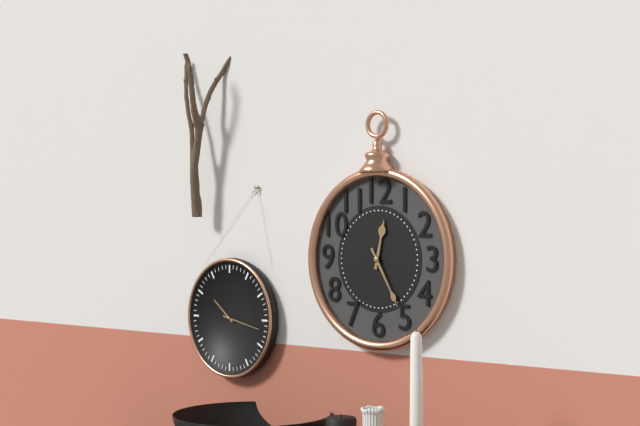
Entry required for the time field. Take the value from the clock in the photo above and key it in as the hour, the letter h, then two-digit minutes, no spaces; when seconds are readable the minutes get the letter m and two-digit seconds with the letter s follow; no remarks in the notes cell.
12h25
